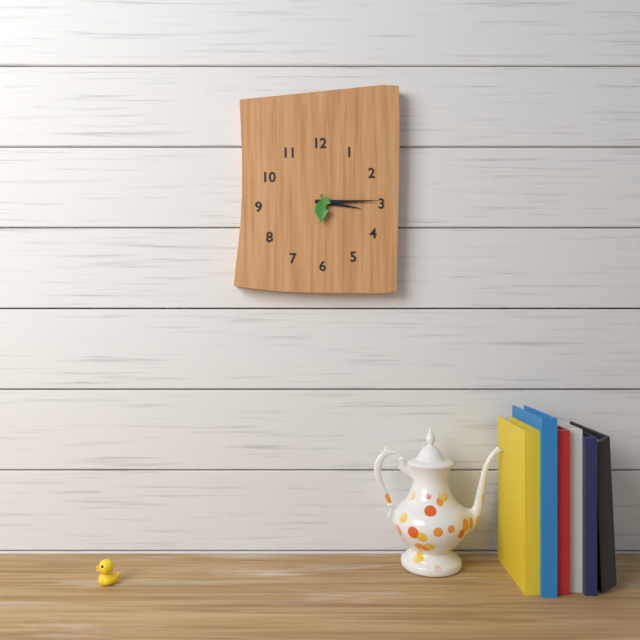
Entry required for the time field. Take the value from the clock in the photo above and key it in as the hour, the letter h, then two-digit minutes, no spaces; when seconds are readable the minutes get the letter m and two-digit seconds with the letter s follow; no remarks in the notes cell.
3h15
